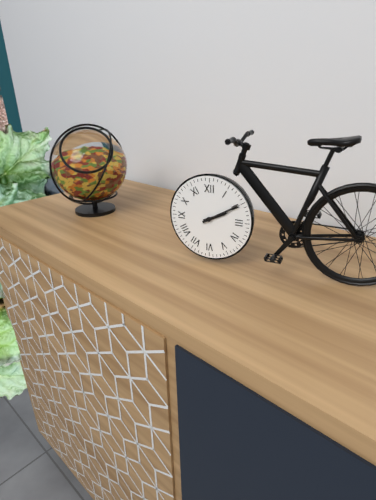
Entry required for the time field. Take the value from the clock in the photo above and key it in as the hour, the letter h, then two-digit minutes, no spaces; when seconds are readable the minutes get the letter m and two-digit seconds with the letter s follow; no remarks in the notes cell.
2h10
